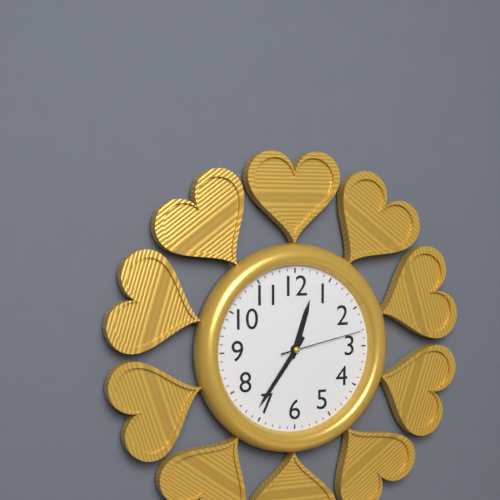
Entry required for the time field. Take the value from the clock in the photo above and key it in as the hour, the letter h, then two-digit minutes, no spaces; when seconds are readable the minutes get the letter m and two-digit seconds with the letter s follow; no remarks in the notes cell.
12h36m13s
